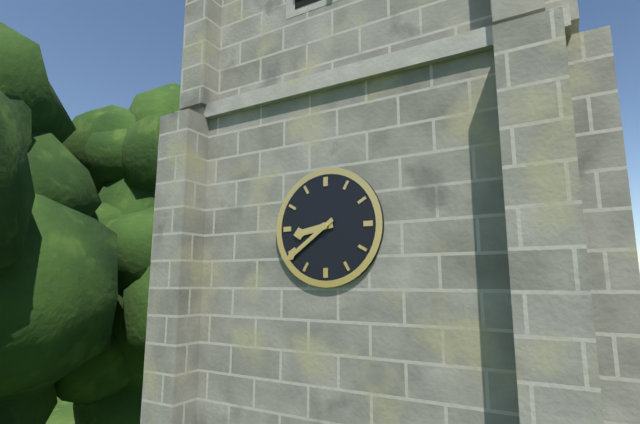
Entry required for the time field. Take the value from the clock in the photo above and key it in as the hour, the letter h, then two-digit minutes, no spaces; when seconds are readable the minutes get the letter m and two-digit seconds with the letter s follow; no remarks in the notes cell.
8h39
